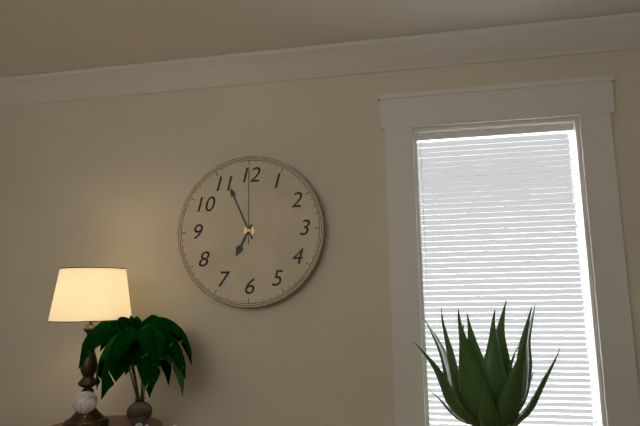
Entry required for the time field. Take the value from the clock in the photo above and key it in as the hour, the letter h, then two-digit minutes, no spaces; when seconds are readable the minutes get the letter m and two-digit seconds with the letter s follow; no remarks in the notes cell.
6h56m00s
